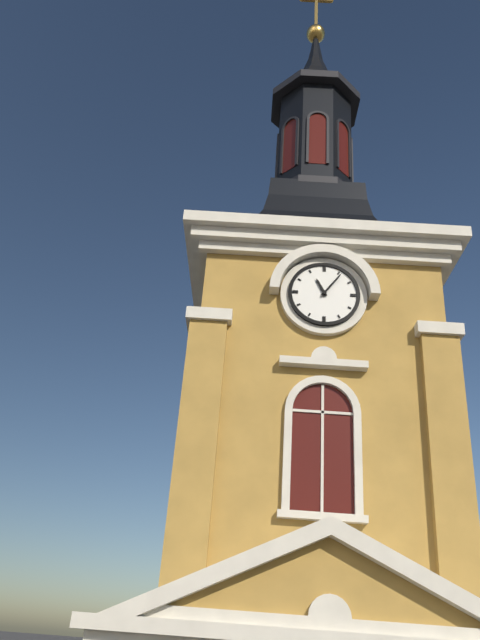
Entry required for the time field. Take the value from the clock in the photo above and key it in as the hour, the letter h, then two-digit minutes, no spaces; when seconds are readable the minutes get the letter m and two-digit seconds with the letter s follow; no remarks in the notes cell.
11h06
